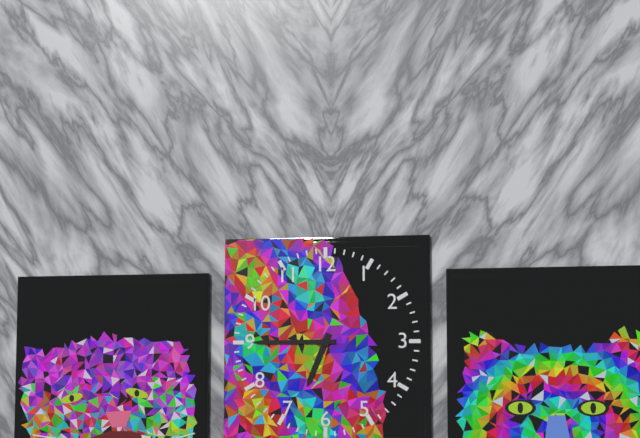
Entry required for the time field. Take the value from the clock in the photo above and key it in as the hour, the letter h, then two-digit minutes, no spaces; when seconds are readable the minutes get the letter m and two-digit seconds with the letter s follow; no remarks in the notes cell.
6h45
